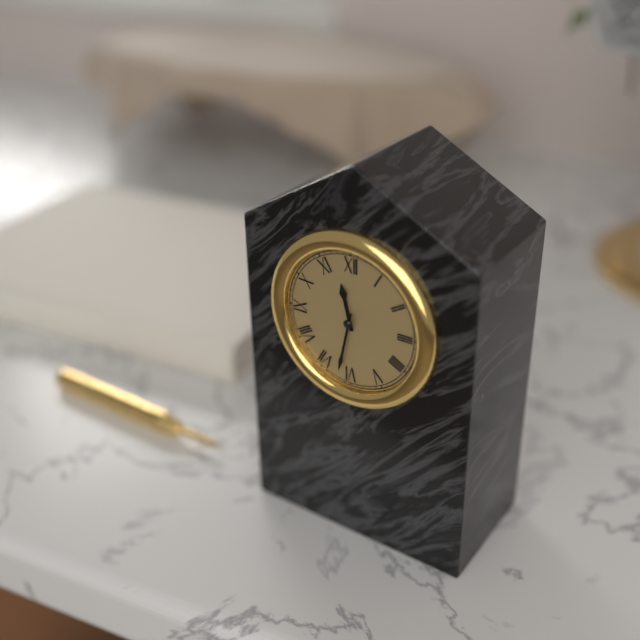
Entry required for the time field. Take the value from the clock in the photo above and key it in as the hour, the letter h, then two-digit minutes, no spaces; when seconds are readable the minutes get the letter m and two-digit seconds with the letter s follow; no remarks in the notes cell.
11h32
